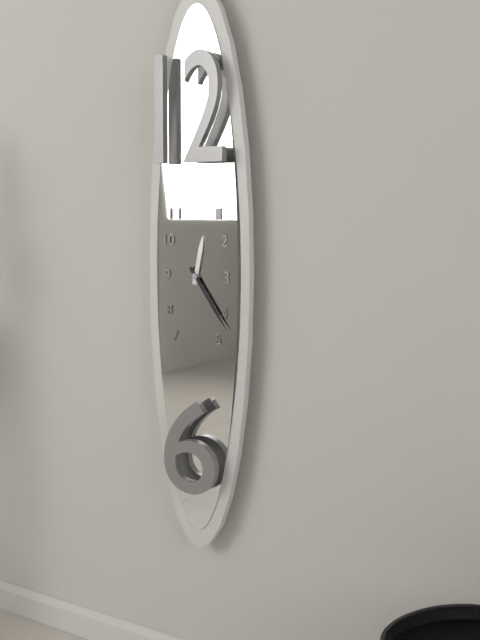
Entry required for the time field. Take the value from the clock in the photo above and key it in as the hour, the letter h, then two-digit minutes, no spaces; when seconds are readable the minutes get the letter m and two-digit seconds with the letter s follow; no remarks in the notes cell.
12h24
